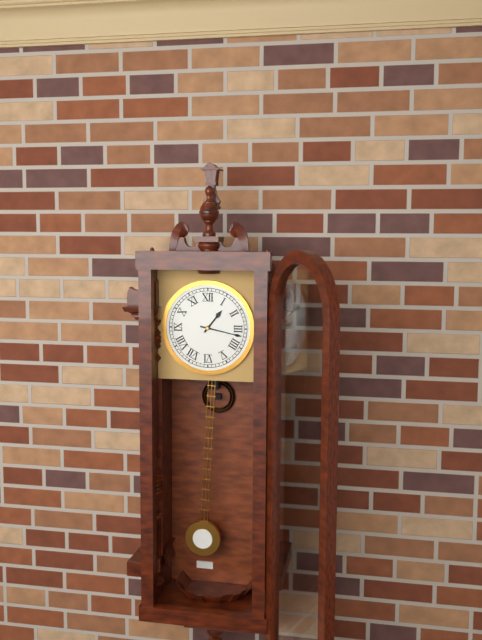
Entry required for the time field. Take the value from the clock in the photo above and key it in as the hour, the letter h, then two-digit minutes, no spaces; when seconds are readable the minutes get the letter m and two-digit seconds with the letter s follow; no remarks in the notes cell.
1h17
